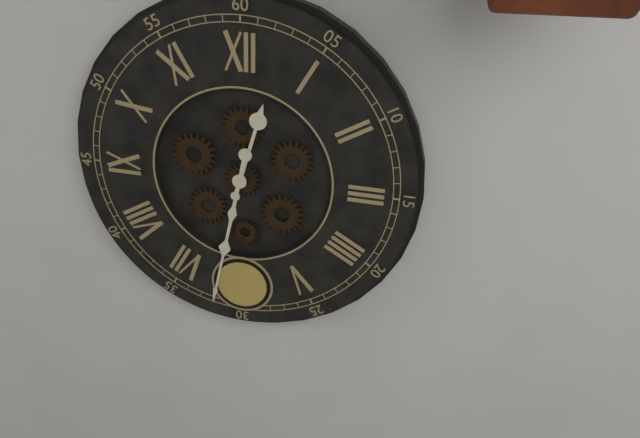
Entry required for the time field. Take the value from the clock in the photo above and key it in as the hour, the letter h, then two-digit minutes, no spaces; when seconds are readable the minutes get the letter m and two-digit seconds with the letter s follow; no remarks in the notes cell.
12h32
